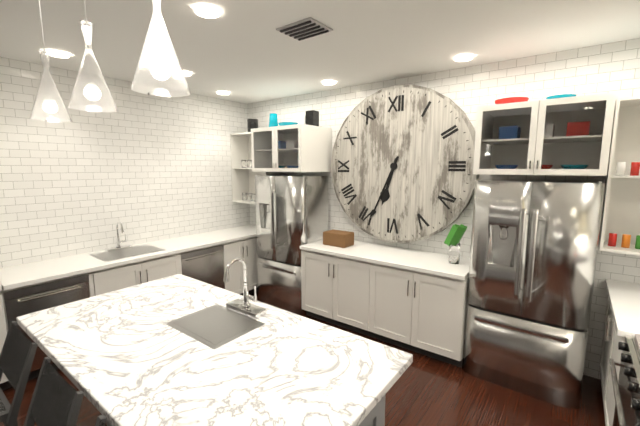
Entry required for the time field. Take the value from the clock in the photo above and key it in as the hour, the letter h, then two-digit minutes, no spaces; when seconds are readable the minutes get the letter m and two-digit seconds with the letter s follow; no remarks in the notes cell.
6h34
